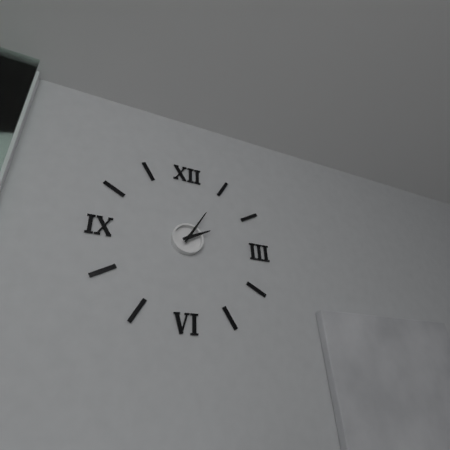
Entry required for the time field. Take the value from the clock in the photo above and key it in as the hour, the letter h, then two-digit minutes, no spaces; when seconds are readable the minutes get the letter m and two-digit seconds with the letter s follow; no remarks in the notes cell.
2h05
